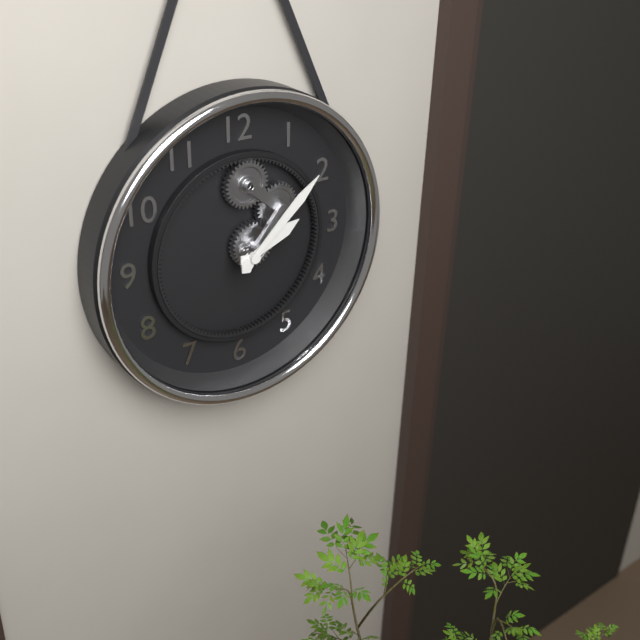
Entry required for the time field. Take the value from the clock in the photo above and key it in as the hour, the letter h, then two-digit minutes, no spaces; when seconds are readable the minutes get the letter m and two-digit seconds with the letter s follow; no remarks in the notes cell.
2h08
